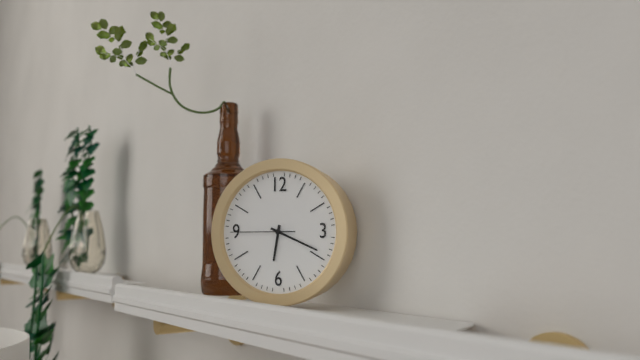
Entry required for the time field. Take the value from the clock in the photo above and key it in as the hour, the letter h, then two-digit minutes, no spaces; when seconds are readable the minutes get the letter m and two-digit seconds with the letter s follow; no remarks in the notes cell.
6h19m45s
